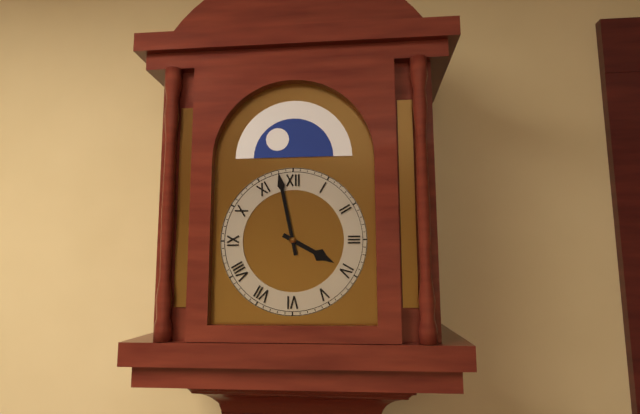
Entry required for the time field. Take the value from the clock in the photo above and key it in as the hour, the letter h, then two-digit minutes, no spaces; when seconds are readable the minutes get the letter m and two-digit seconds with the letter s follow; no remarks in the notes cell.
3h58
